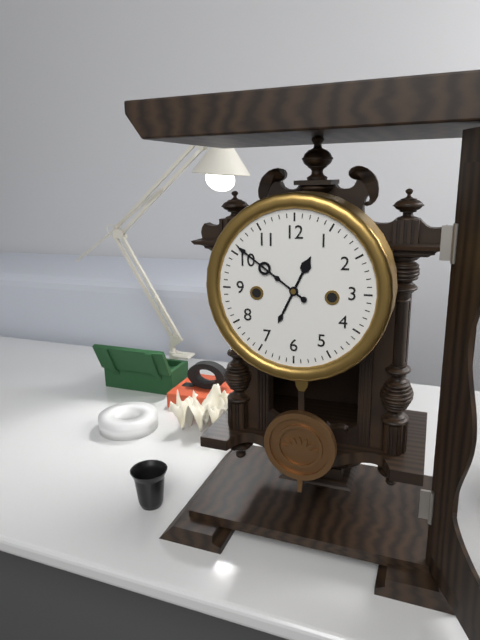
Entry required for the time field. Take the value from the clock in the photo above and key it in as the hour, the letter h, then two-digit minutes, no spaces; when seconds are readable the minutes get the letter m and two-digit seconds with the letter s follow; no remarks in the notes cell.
12h51
